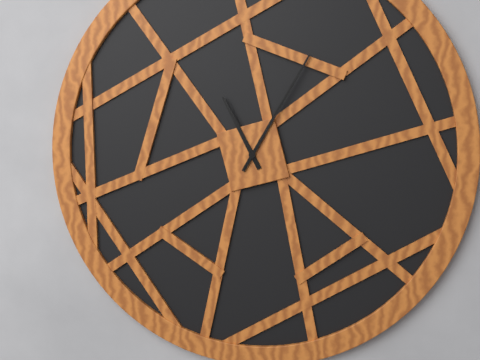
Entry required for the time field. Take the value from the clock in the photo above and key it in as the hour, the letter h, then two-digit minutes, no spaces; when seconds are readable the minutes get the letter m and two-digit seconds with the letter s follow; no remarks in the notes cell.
11h05
